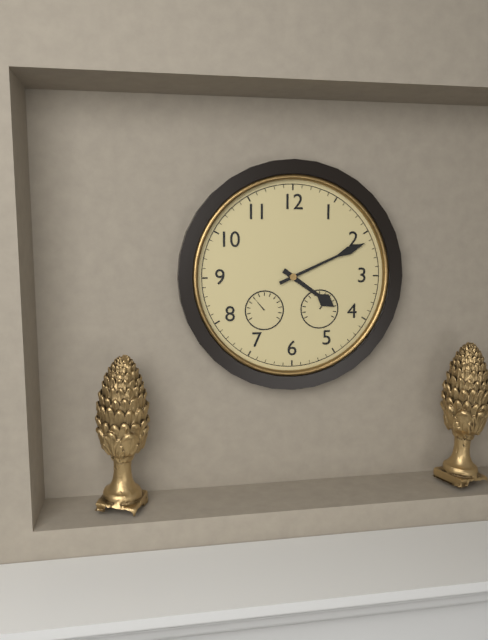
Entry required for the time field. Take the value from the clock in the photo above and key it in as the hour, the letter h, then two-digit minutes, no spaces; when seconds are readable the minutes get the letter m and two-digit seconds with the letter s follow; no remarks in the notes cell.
4h11
